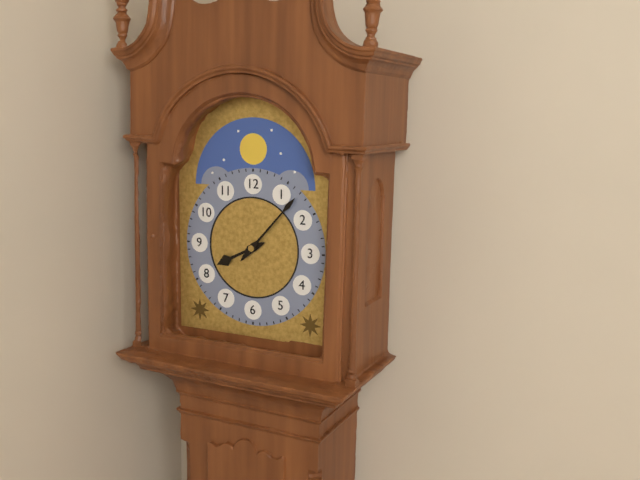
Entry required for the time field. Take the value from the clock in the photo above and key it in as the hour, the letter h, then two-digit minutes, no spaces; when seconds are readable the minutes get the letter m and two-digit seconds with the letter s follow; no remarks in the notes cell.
8h07
